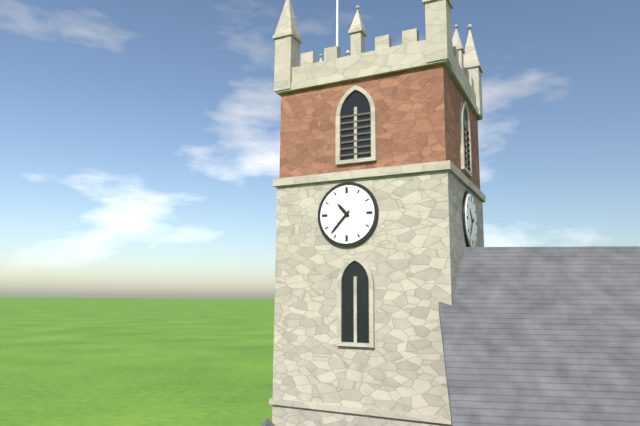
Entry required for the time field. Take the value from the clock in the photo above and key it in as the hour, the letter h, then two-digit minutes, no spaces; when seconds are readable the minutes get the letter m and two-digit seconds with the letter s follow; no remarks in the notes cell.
10h37
